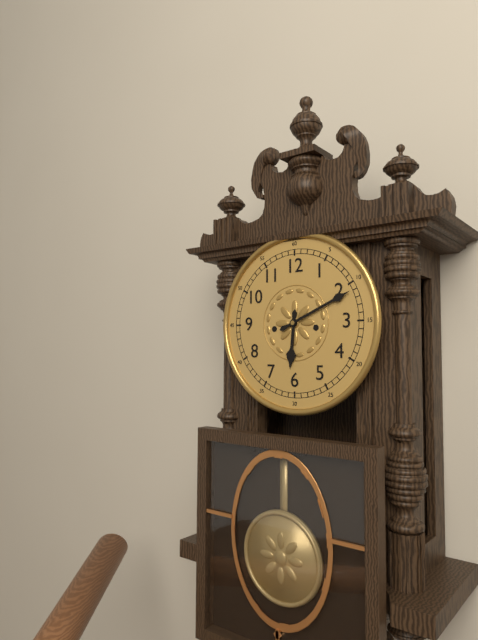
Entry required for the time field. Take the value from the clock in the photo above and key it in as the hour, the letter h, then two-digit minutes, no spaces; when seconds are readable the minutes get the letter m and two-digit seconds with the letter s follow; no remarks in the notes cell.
6h11
